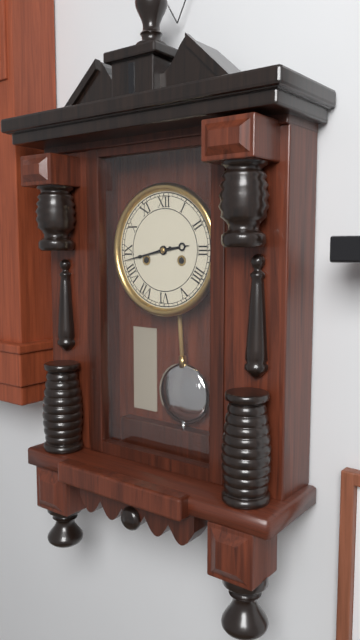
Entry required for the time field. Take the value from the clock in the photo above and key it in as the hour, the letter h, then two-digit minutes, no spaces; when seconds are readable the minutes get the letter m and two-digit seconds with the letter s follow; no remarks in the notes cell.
2h43
